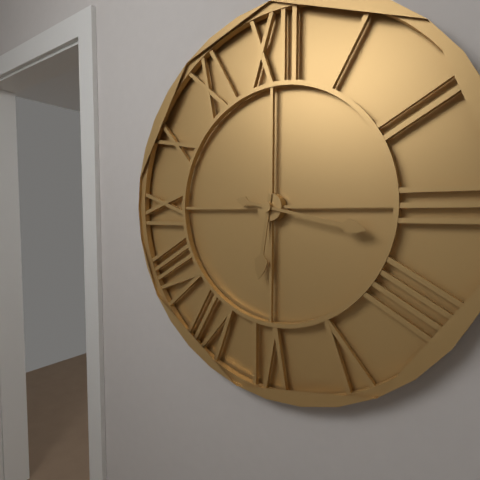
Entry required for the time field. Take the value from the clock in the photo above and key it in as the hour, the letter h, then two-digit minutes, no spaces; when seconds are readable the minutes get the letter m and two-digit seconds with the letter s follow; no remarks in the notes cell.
6h17
